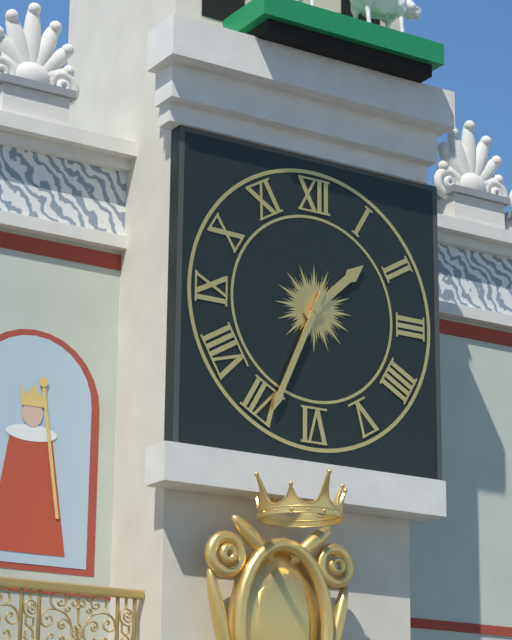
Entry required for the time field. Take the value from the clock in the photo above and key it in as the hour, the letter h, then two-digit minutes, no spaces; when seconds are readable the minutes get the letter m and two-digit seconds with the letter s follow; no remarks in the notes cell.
1h34
